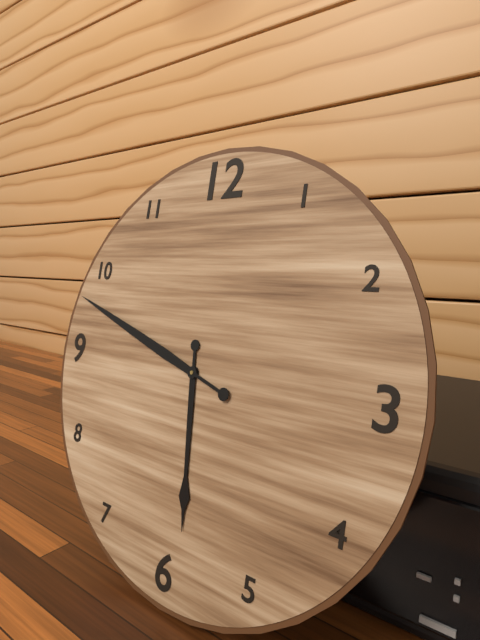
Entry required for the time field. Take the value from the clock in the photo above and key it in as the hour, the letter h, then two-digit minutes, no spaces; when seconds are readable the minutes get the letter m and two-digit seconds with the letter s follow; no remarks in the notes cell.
5h48
